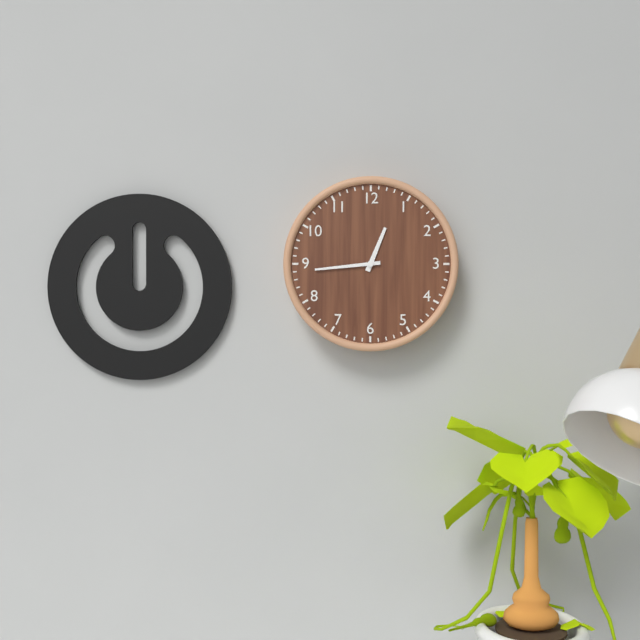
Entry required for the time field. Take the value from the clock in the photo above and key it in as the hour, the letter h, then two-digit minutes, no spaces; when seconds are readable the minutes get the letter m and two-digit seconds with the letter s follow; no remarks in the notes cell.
12h44
